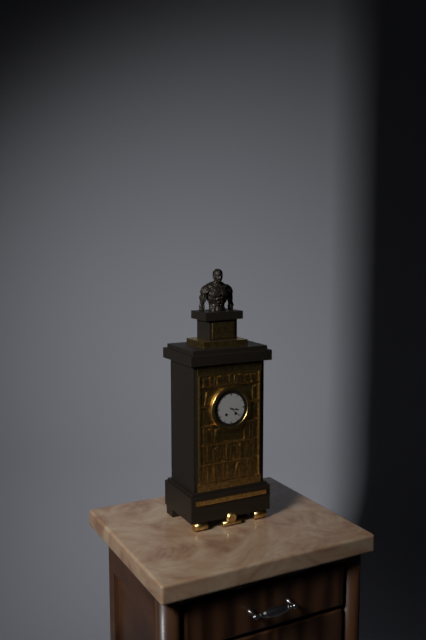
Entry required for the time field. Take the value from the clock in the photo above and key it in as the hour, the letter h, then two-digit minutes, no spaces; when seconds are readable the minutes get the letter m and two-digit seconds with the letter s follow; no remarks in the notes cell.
3h22
